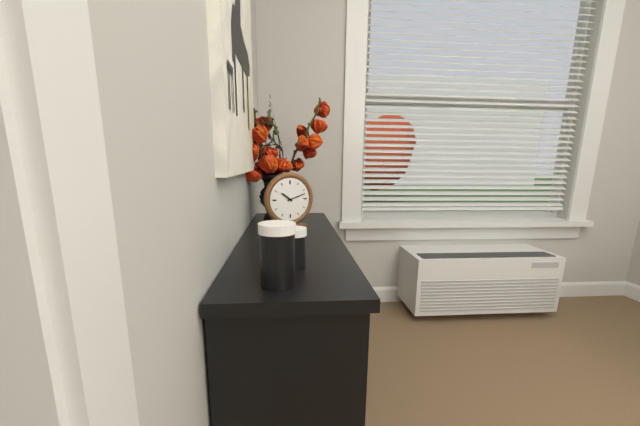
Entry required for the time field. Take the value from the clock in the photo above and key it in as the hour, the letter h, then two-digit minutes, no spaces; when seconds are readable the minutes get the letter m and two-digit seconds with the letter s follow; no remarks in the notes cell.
10h12
